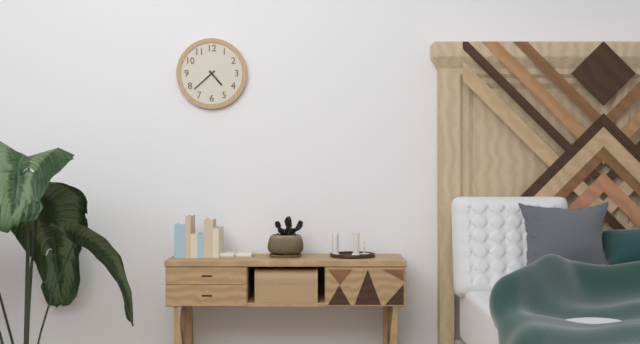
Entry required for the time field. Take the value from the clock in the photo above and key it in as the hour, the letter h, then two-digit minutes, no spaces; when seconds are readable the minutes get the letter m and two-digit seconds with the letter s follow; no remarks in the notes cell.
4h38
